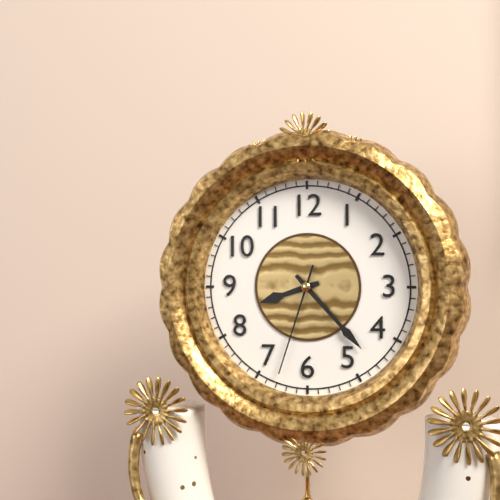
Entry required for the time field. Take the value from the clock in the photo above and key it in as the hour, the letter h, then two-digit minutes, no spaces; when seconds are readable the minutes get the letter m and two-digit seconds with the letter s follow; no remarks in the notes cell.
8h23m33s
